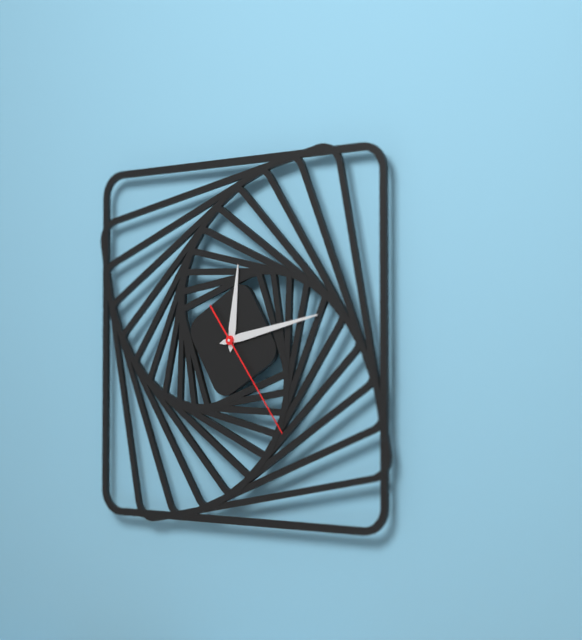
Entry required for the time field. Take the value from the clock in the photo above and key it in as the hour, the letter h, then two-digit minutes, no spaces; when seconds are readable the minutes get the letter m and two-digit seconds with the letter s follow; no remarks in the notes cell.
12h13m24s
